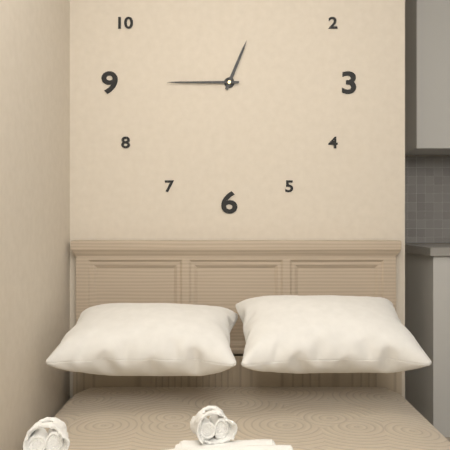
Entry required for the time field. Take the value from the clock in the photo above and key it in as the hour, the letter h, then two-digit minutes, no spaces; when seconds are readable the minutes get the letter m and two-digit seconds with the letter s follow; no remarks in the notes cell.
12h45
